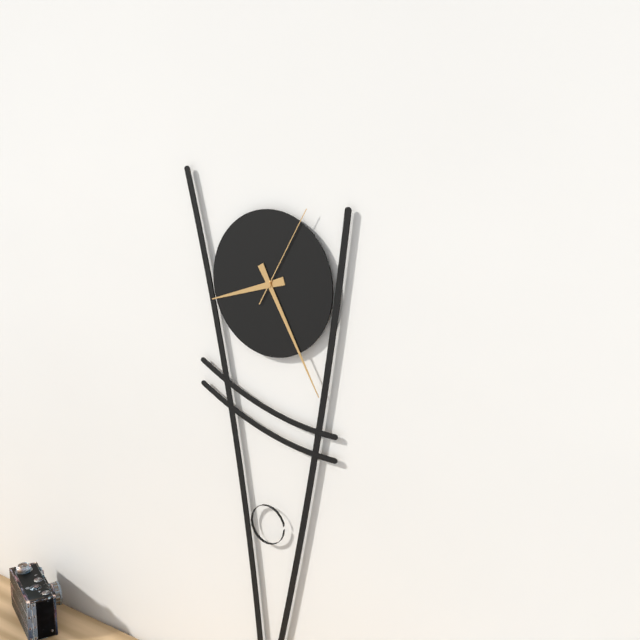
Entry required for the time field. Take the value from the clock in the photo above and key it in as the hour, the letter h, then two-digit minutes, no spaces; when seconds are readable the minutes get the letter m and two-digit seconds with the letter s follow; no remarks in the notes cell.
8h25m05s
